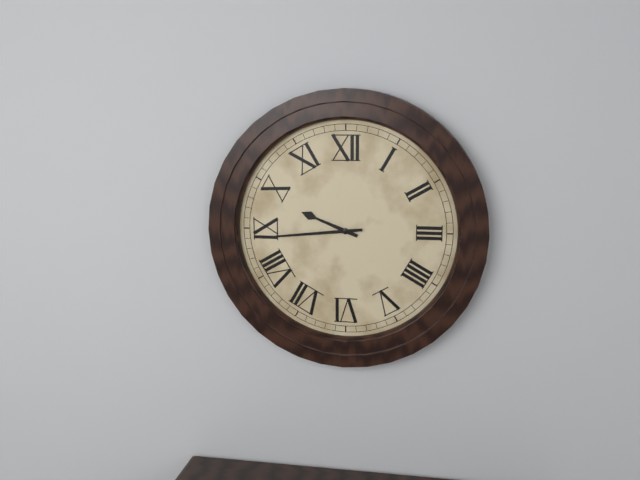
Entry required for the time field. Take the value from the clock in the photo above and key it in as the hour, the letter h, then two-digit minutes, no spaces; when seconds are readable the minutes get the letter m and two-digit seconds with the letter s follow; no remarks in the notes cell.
9h44
